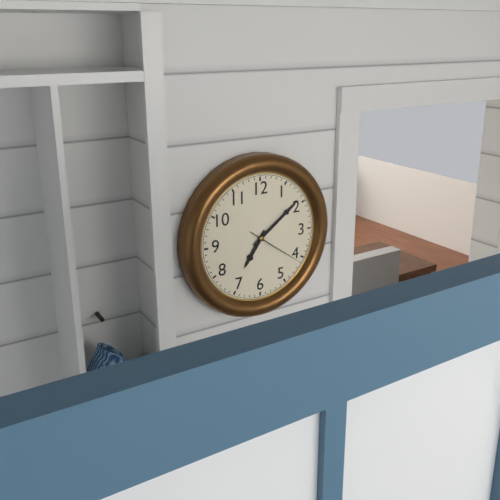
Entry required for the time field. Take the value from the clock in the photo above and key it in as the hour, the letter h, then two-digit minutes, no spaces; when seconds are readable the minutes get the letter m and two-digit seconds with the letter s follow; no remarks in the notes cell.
7h09m21s
